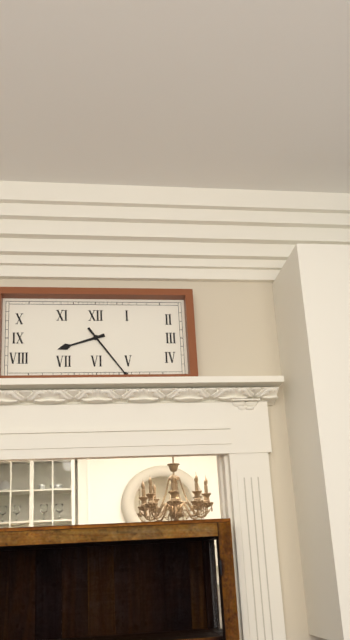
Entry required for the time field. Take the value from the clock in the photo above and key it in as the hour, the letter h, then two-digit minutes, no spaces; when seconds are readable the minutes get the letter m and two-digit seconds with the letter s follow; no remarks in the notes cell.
8h24
